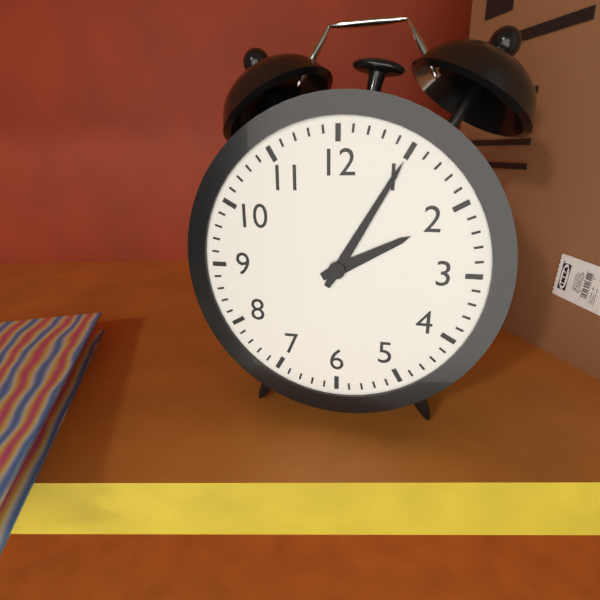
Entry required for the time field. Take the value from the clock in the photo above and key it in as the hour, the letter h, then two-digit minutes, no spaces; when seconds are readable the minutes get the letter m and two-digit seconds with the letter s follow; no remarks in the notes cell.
2h05
